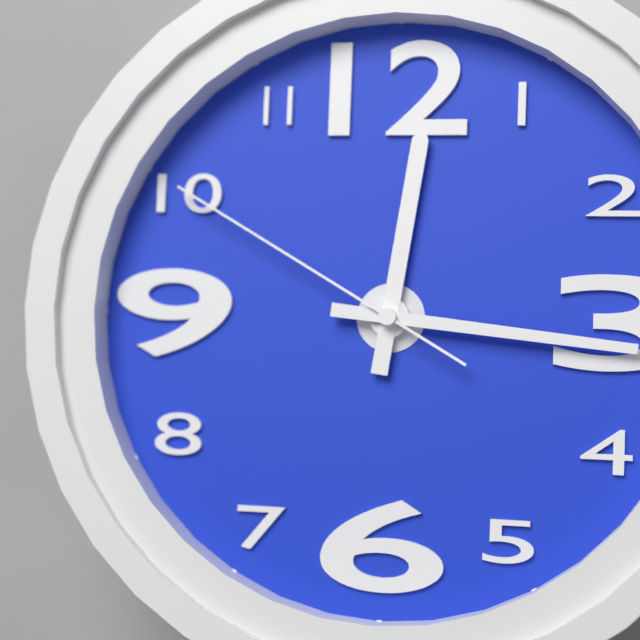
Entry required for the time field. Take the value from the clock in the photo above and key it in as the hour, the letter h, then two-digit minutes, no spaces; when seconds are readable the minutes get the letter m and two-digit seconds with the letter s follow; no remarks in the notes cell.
12h16m50s
